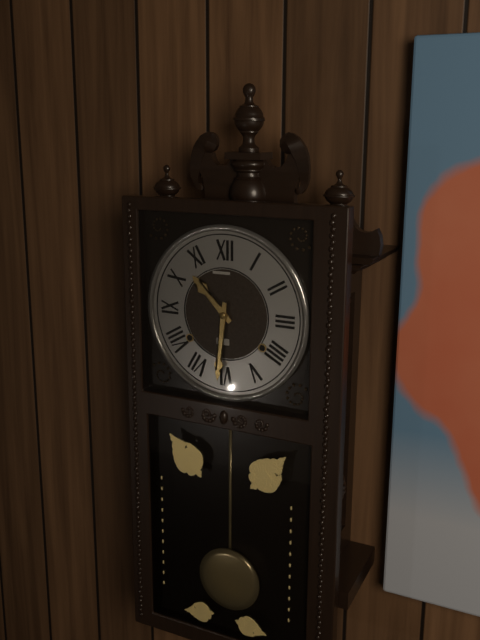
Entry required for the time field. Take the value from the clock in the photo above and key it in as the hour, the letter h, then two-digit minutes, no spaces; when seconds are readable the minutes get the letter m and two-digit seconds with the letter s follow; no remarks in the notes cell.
10h31
